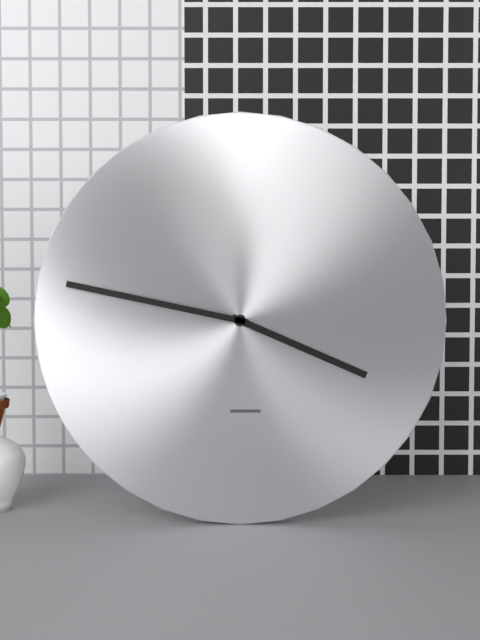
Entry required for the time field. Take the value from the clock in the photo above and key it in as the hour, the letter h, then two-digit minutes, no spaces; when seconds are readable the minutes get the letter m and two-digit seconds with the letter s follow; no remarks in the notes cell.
3h47
